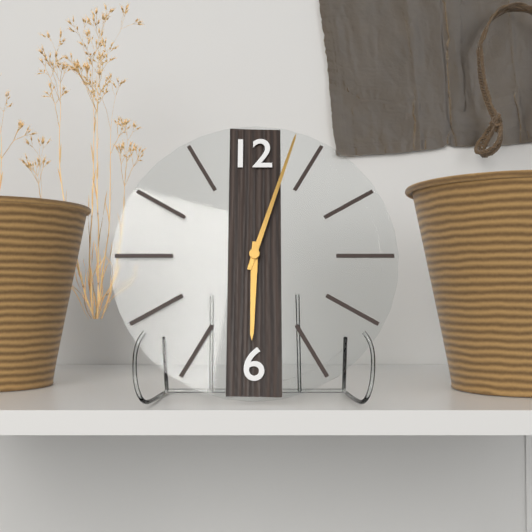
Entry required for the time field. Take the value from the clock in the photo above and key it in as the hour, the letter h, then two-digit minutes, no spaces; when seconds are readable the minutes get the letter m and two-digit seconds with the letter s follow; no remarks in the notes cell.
6h03
